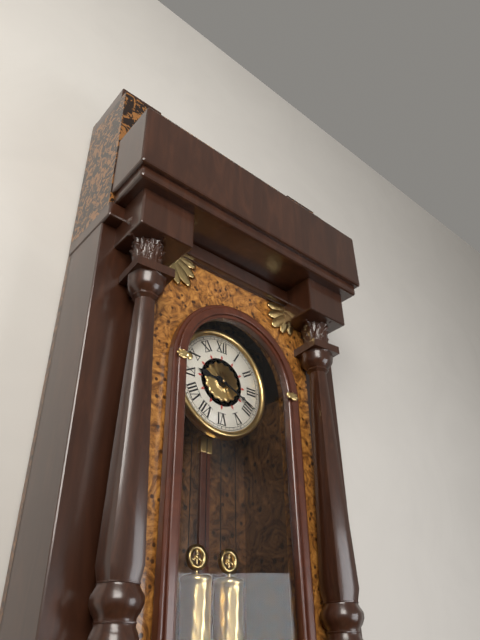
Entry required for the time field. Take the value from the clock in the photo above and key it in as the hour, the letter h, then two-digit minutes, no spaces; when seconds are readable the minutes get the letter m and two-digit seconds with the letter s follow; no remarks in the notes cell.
9h19
